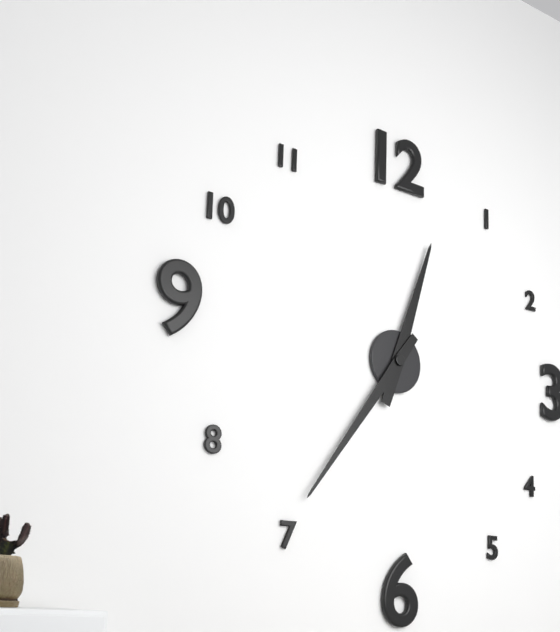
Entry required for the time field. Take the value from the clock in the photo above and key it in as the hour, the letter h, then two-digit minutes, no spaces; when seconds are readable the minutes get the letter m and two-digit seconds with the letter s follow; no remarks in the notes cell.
12h36
